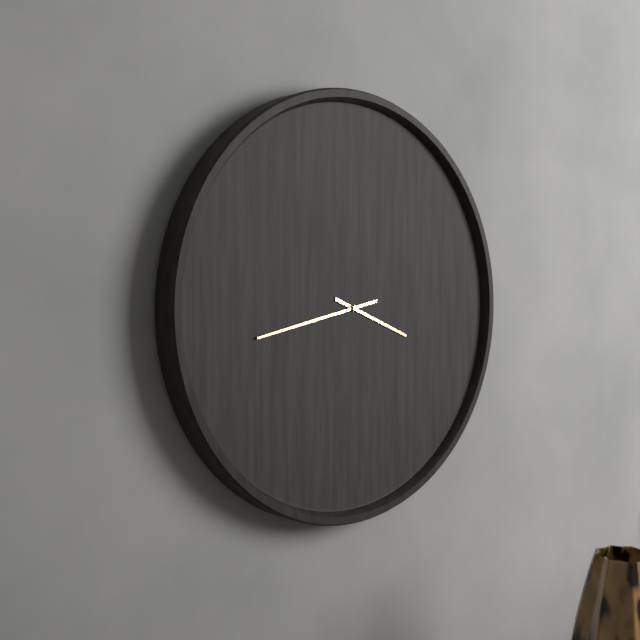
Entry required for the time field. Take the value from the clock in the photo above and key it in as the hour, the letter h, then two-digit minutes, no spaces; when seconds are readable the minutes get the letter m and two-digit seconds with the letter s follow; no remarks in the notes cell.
3h43
